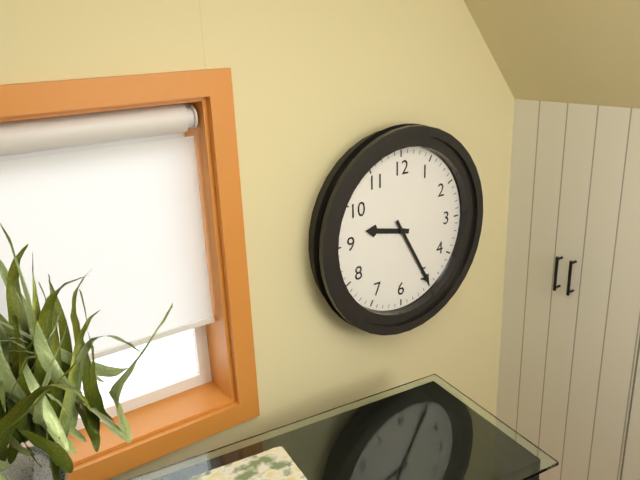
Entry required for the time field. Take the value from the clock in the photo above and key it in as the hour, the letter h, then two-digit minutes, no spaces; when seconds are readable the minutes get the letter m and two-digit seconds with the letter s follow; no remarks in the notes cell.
9h25
